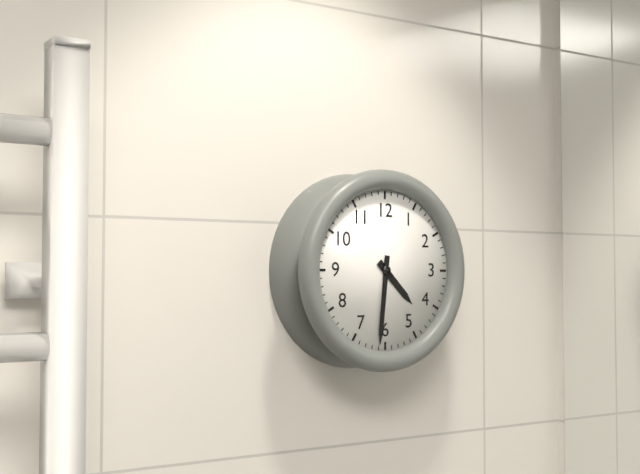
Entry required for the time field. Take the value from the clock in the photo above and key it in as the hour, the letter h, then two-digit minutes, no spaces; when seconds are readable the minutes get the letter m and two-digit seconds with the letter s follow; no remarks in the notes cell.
4h31
